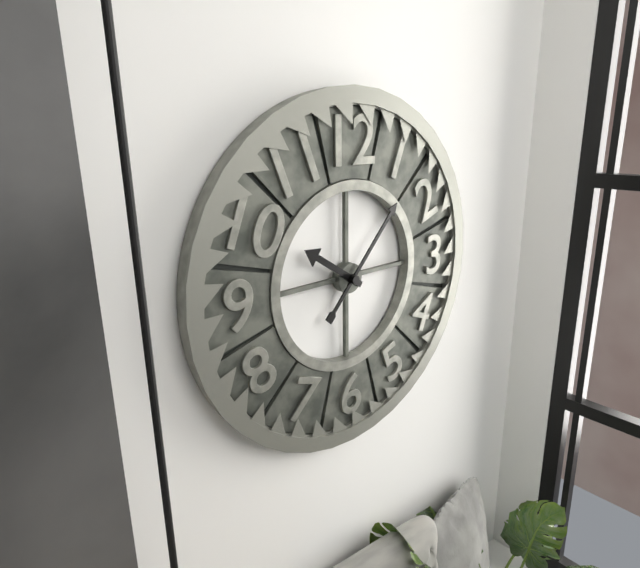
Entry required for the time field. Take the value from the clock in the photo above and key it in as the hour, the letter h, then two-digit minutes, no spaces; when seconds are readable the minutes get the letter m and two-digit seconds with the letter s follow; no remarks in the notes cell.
10h07
